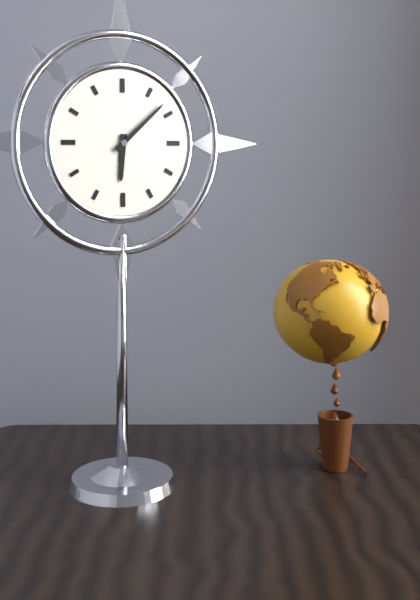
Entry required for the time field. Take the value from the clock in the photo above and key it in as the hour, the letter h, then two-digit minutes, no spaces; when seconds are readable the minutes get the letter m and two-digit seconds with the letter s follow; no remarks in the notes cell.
6h08
